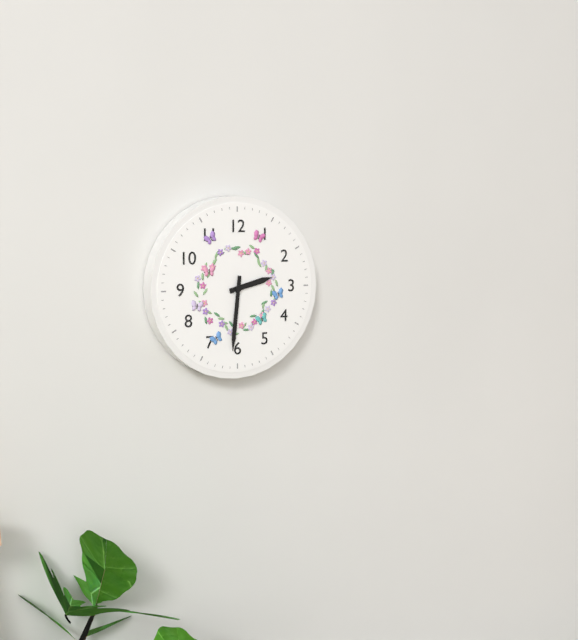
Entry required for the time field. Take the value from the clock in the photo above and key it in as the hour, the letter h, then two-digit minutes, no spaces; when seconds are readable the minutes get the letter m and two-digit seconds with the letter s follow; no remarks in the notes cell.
2h31
